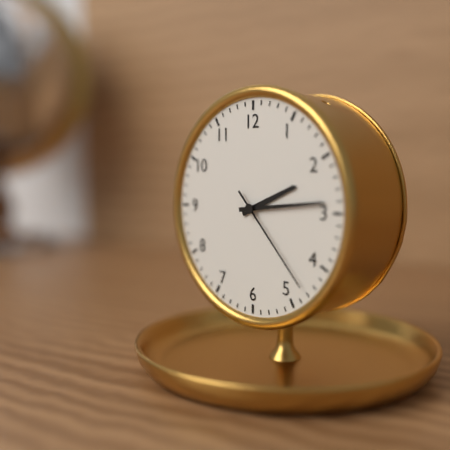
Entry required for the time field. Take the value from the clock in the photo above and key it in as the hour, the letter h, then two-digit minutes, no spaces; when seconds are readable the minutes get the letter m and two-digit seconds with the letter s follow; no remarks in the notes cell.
2h14m23s
